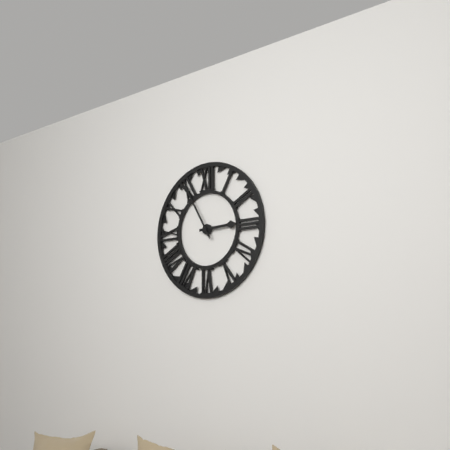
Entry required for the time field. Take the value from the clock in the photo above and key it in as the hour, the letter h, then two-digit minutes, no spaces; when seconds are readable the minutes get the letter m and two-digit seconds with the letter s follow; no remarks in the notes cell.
2h55
